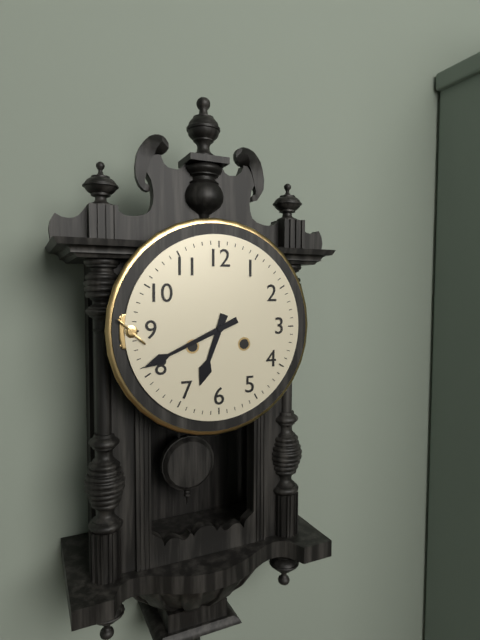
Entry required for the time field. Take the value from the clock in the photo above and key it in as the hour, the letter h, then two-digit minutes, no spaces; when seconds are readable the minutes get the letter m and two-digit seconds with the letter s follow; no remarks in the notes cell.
6h41
